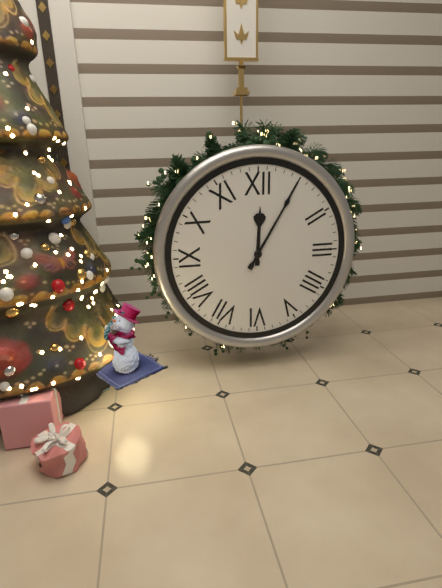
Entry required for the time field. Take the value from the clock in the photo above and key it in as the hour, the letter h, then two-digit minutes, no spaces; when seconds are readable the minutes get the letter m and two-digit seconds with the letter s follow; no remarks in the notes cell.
12h05
